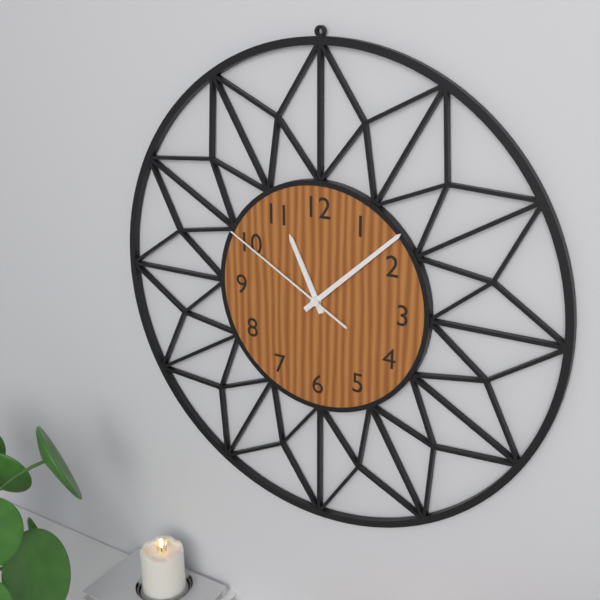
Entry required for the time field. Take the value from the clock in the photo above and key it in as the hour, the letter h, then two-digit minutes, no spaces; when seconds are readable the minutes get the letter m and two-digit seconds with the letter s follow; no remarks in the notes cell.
11h08m50s
